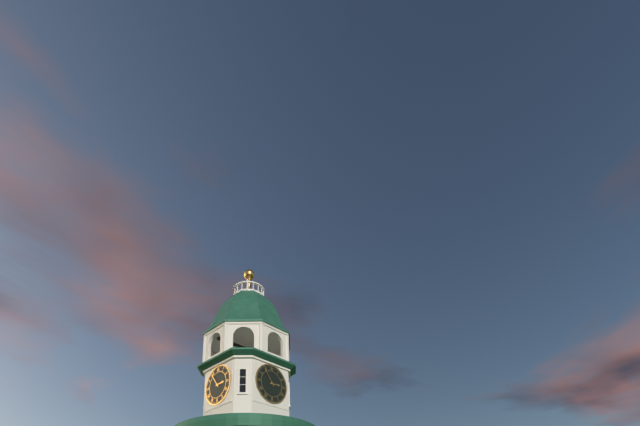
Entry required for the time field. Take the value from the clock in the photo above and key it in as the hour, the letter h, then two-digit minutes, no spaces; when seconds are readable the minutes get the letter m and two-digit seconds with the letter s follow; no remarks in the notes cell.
2h54
